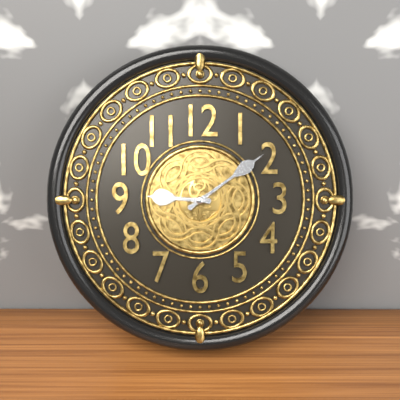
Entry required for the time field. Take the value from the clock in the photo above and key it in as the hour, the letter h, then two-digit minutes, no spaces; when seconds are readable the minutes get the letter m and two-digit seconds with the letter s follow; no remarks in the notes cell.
9h09
